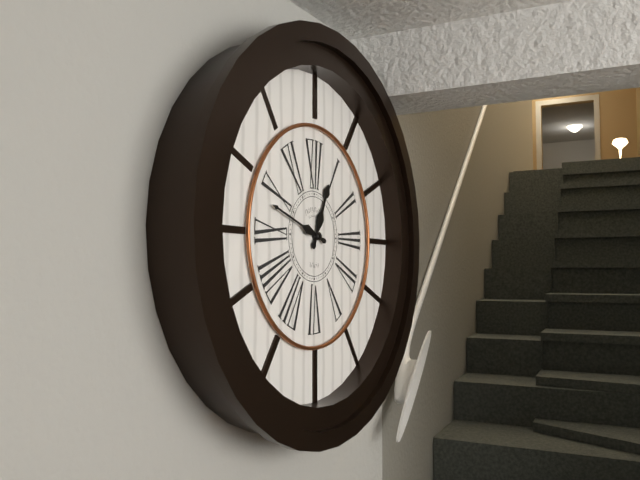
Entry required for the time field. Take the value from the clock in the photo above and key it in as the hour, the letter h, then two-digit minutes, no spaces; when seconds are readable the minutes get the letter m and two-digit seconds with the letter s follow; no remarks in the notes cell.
12h48
